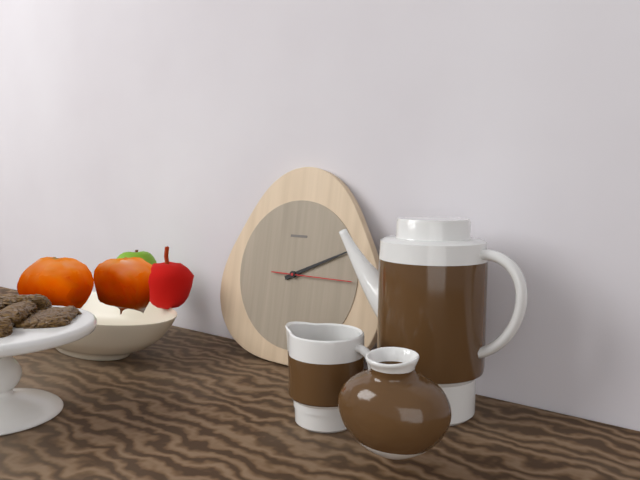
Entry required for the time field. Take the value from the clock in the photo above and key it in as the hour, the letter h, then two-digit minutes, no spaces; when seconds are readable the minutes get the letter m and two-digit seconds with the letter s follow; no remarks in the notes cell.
2h11m15s
